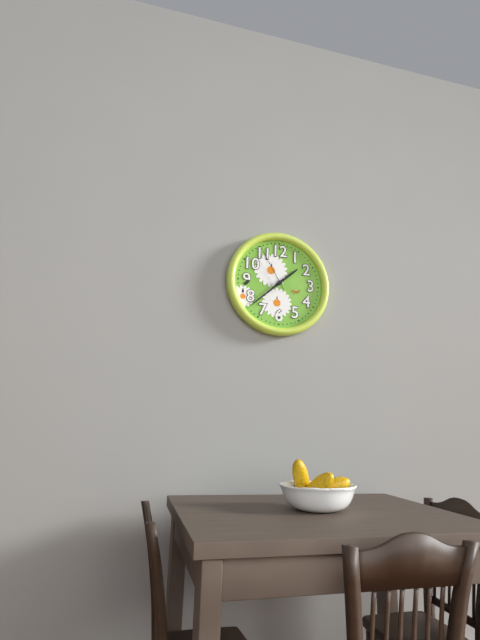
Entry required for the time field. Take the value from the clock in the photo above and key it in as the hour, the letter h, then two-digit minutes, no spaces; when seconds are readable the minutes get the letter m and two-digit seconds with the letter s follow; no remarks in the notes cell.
1h38m55s
